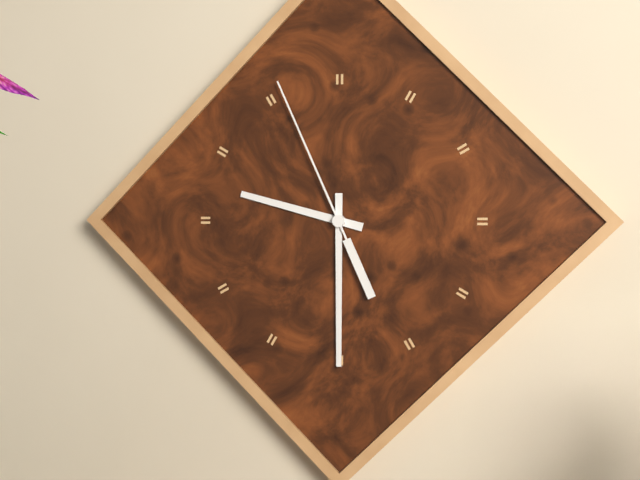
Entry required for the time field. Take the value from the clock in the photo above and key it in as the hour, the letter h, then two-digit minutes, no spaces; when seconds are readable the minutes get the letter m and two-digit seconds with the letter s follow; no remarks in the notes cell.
9h30m56s
